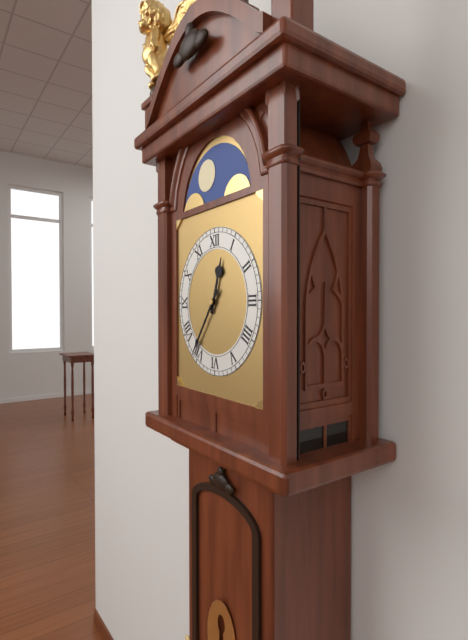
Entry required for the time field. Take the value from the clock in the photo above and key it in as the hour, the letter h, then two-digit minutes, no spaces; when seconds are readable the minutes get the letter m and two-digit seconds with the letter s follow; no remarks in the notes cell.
12h36
